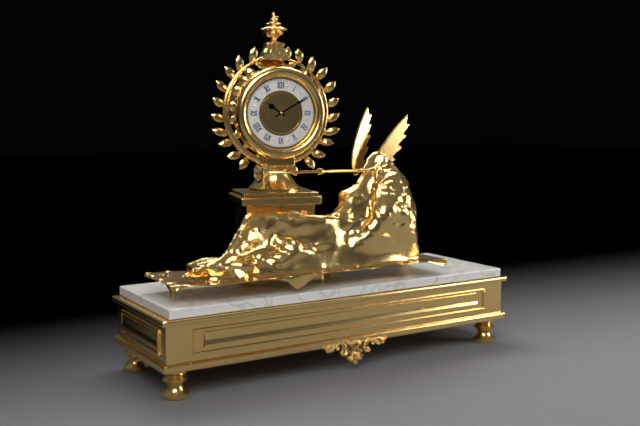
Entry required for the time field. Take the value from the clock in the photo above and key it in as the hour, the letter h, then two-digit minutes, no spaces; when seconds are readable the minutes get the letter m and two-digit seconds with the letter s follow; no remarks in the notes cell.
10h10
